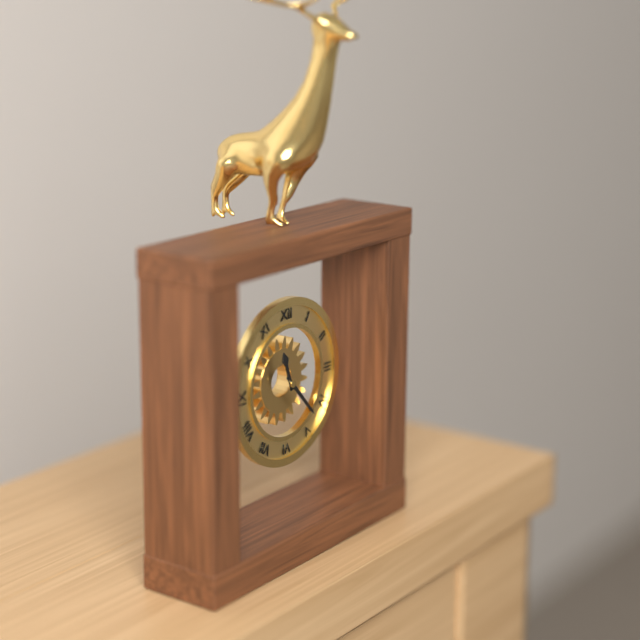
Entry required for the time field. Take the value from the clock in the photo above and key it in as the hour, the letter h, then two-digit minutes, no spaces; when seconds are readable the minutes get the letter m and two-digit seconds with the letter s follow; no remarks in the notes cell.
11h23
